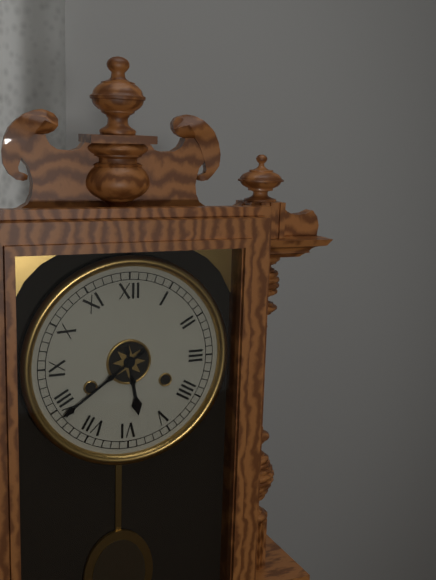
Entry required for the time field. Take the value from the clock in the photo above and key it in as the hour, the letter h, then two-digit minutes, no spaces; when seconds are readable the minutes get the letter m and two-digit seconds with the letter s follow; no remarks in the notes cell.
5h39
